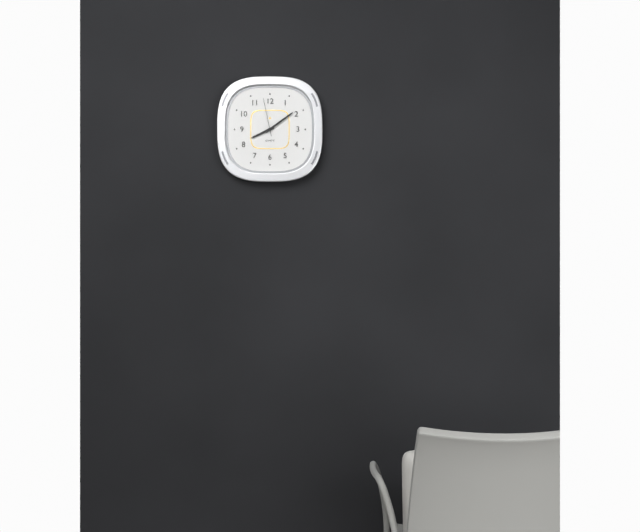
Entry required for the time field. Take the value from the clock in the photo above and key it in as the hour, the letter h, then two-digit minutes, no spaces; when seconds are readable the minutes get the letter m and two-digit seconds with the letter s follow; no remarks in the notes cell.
8h09
